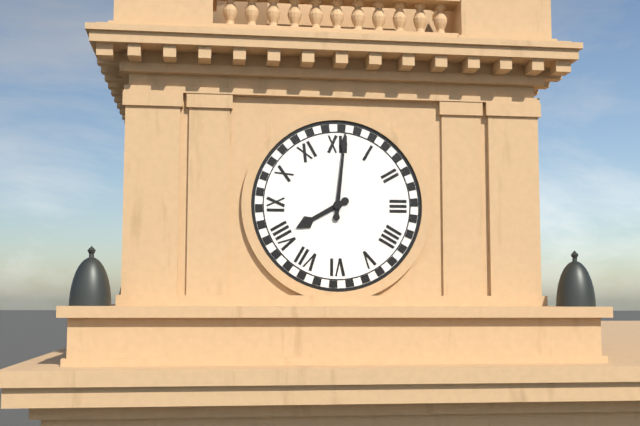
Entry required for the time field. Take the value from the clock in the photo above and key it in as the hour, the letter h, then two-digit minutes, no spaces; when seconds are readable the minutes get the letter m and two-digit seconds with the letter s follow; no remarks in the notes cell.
8h01
